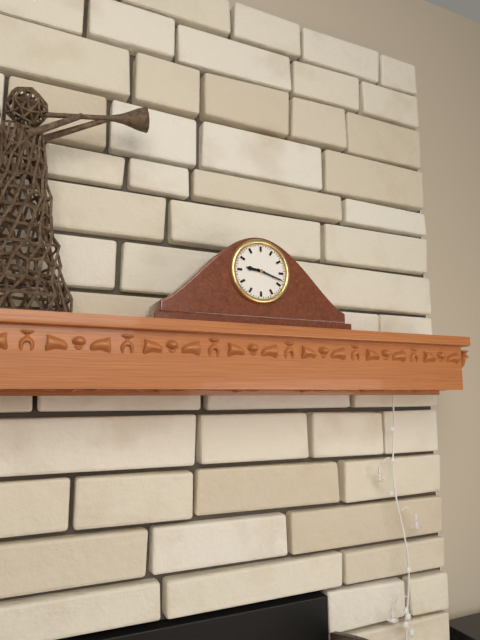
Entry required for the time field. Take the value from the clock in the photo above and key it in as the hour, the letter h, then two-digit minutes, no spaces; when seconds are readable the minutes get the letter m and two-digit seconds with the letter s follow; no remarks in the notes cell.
9h18
